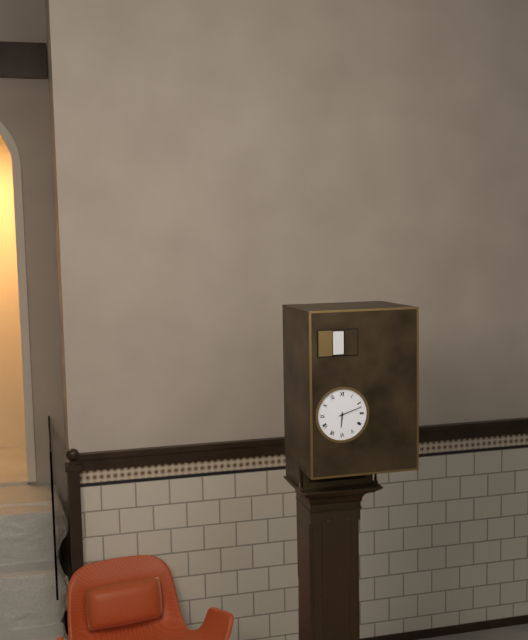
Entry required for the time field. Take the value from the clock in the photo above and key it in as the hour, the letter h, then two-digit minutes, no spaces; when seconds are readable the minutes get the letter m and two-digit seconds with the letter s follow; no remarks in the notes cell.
6h12
